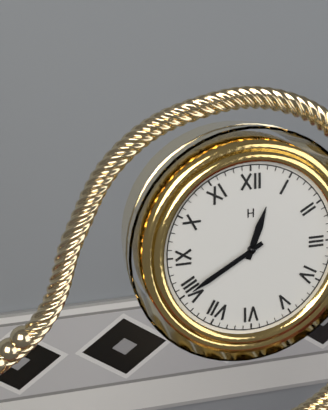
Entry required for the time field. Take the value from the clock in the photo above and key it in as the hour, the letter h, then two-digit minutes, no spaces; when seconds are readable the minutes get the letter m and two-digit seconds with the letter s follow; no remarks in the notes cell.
12h40
